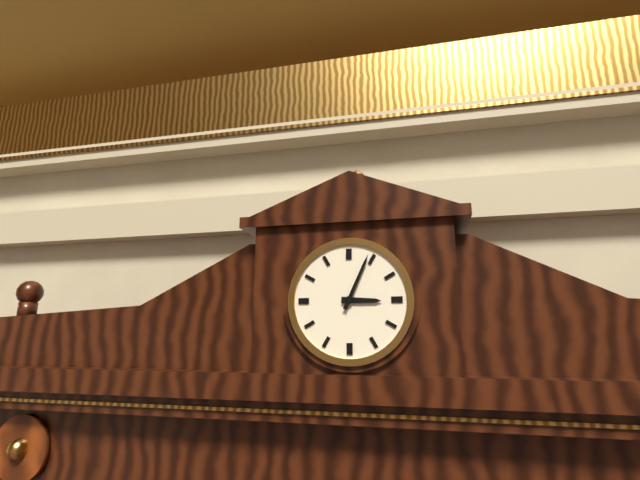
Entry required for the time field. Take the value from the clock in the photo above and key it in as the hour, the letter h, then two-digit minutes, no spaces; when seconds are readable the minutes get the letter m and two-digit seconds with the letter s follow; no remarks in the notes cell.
3h04
